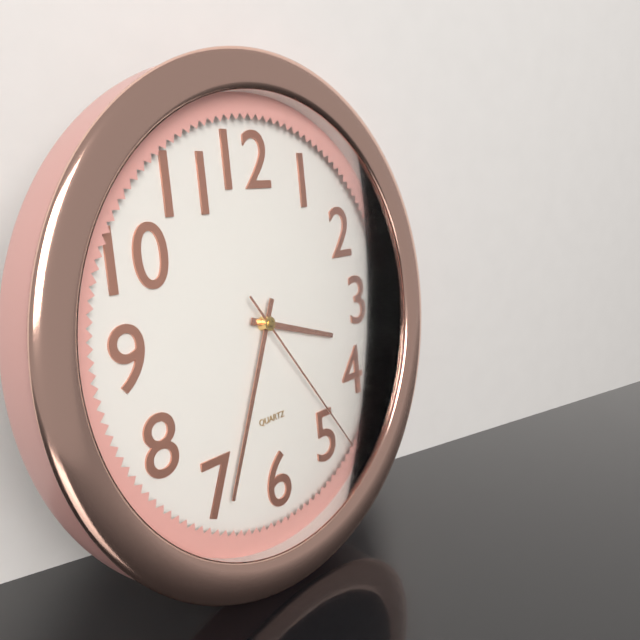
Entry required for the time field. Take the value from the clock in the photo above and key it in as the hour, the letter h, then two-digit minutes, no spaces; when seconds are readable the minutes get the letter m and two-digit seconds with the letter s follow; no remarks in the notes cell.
3h34m24s
